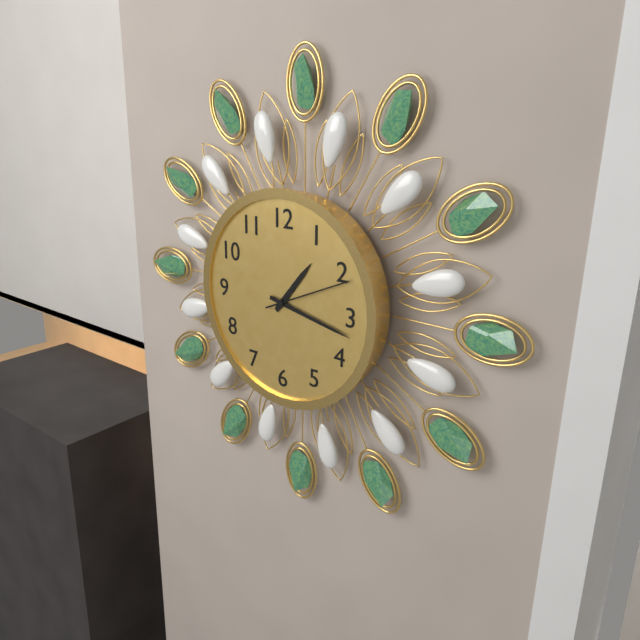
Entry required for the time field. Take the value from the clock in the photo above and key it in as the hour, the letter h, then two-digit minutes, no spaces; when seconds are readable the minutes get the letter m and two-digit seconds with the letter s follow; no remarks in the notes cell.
1h17m11s
